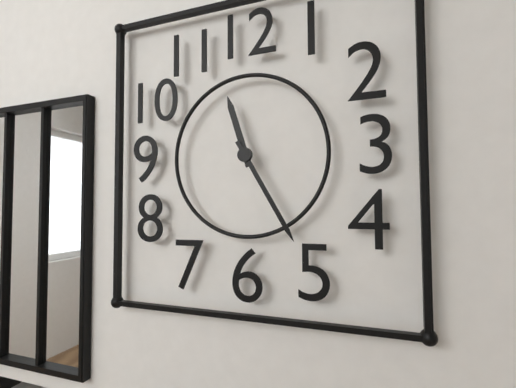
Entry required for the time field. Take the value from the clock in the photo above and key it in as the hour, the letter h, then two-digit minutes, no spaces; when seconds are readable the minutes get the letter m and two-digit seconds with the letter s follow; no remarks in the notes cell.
11h25
